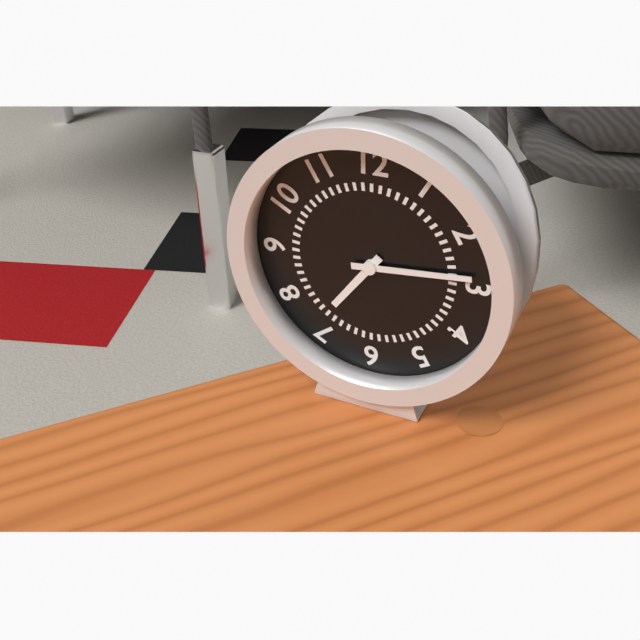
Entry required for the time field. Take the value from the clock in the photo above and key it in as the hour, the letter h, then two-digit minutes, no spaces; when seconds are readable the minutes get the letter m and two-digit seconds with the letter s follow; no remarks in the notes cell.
7h14
